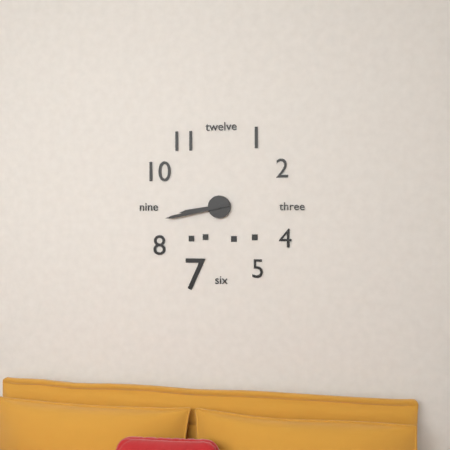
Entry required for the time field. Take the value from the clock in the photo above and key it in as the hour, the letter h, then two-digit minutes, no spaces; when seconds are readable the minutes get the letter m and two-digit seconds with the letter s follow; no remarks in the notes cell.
8h43
